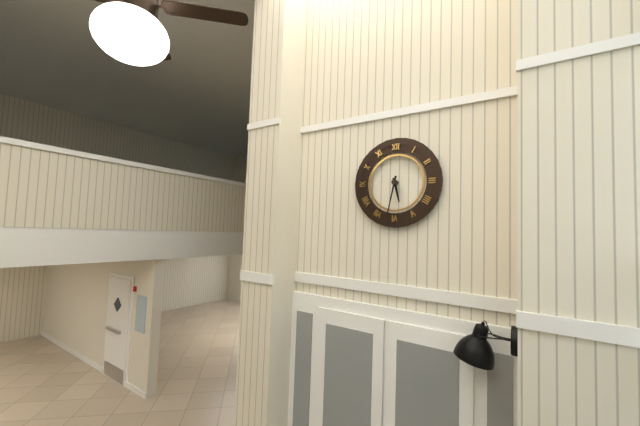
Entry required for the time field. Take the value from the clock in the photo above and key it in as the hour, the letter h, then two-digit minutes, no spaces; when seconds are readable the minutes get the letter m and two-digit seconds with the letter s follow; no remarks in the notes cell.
5h32
